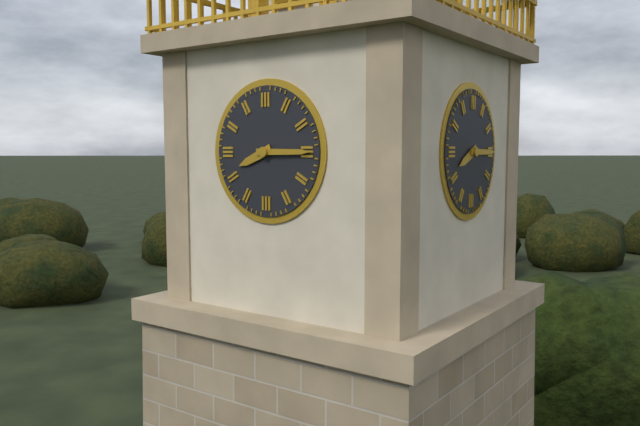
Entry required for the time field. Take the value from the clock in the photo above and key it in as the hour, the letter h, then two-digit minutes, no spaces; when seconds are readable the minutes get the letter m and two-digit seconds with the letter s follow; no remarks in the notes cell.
8h15
